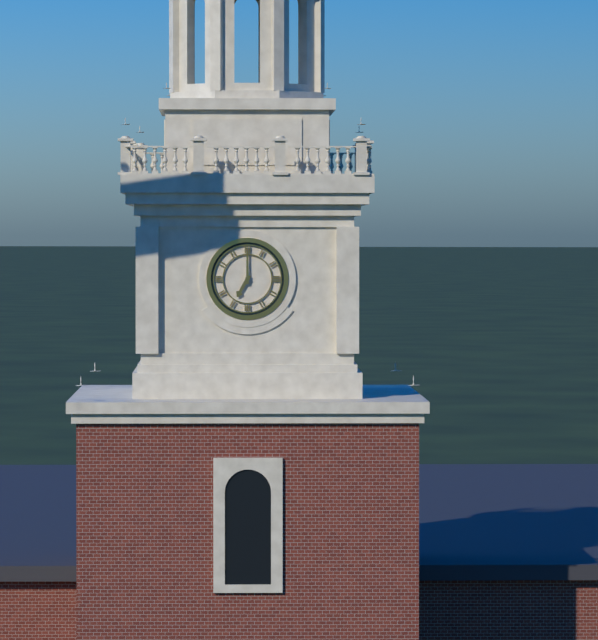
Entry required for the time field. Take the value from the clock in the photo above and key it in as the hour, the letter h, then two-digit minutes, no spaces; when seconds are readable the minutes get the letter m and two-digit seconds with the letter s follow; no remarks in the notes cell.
7h00
